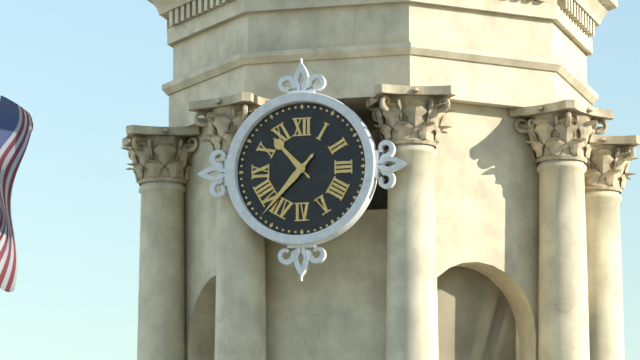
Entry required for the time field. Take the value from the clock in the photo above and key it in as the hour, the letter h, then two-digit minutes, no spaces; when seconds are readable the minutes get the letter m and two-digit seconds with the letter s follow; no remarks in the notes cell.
10h37
